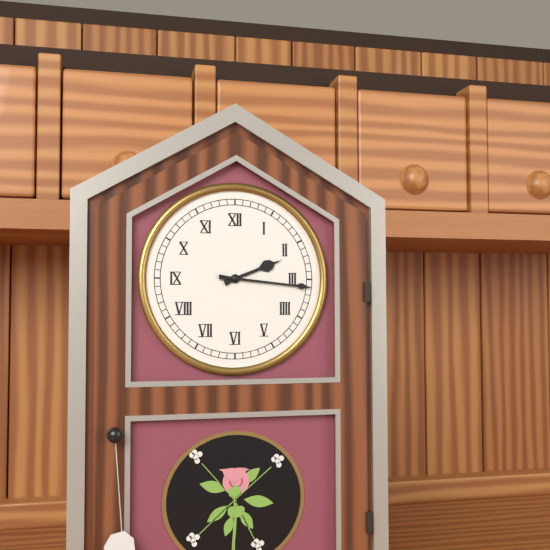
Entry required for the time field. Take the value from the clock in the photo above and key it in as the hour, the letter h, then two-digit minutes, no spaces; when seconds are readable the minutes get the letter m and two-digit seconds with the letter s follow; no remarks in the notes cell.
2h16
